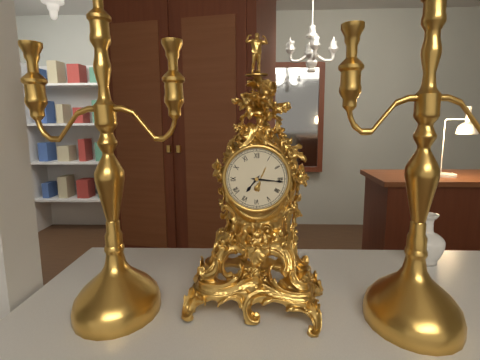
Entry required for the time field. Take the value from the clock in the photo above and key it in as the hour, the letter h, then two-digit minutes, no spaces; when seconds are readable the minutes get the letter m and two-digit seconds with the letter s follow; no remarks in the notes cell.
7h16
